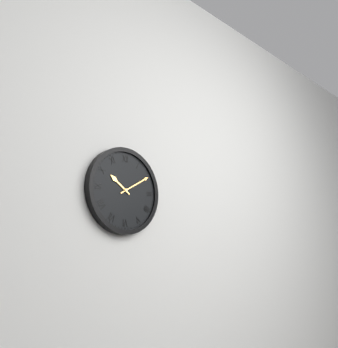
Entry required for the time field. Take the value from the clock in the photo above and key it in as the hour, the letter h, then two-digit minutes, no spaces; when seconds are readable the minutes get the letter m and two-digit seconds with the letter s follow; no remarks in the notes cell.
10h10
